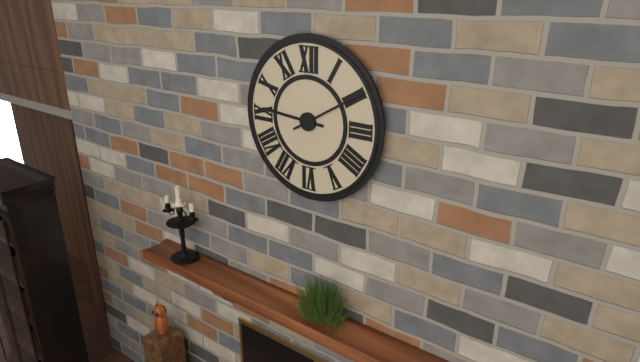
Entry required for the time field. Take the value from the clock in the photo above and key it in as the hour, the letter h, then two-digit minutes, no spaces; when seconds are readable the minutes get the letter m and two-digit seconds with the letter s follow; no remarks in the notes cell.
9h10
